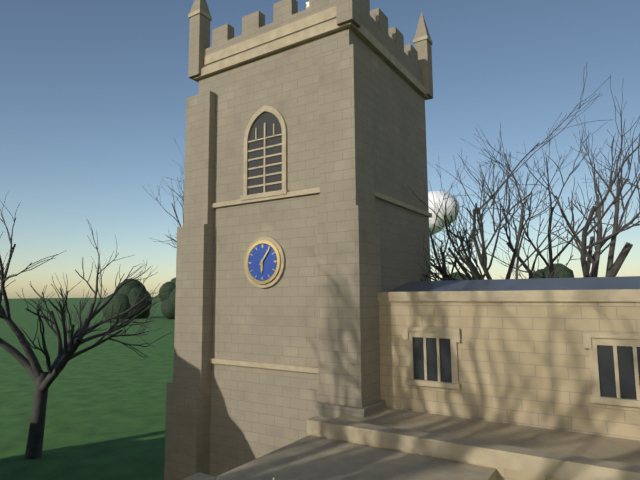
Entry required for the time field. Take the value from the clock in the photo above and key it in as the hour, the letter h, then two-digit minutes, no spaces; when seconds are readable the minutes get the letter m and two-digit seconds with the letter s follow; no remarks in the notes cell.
6h06
